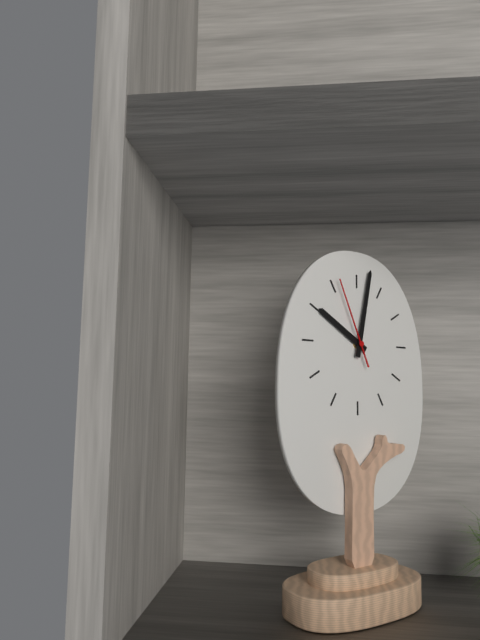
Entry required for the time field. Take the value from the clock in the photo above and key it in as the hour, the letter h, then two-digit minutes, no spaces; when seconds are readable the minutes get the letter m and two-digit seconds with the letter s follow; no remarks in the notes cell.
10h02m56s
